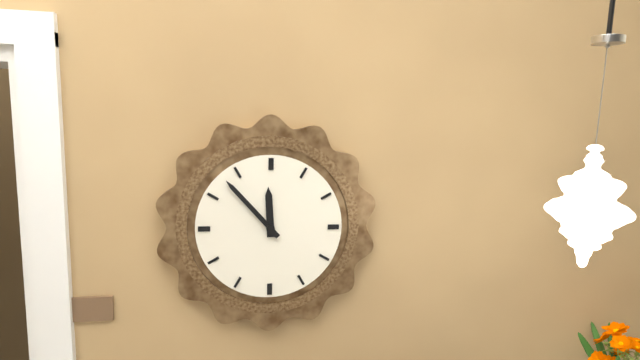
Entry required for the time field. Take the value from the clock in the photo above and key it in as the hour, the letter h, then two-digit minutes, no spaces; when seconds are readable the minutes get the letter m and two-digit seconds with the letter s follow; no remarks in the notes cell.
11h53
